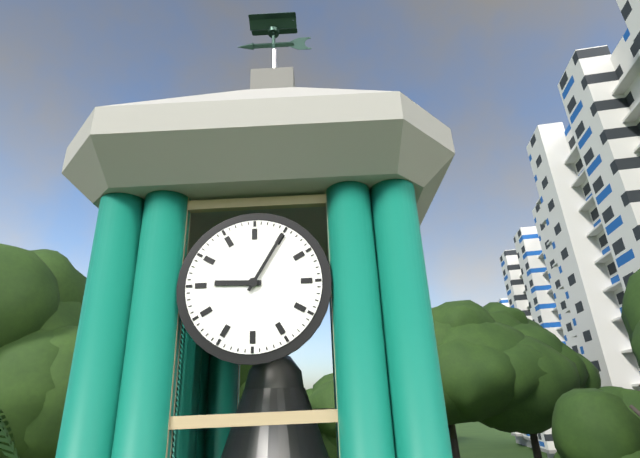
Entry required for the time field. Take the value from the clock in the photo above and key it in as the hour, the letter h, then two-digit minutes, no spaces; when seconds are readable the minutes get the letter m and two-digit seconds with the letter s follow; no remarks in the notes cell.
9h05
